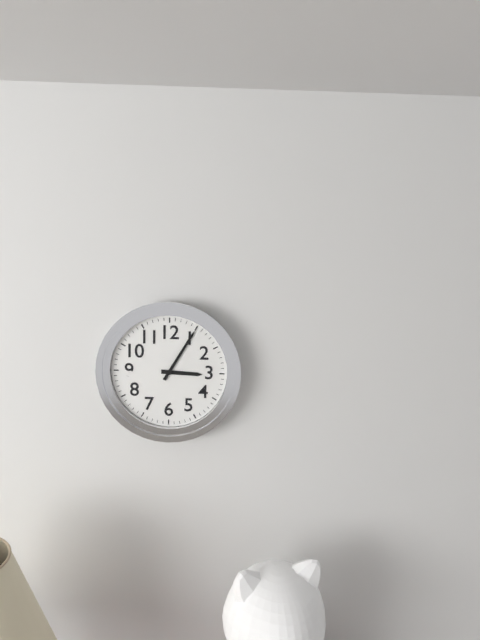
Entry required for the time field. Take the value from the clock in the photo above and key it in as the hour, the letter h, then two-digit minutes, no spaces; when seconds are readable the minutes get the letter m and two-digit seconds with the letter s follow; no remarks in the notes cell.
3h05
